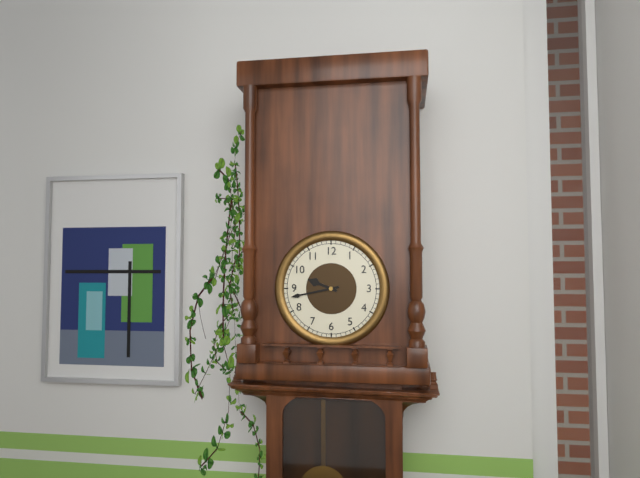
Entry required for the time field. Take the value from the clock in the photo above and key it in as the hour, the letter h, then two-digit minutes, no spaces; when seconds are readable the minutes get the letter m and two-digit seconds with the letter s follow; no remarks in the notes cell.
9h43
